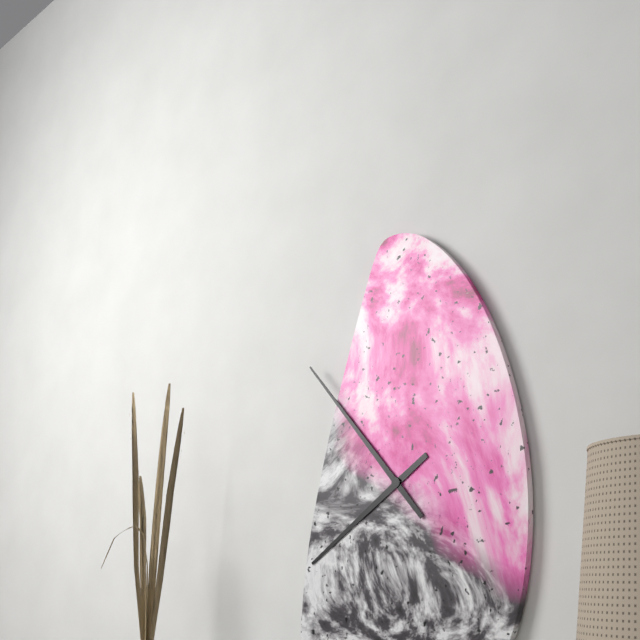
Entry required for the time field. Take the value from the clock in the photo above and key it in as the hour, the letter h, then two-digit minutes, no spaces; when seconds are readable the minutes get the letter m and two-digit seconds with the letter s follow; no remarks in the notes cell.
7h53
